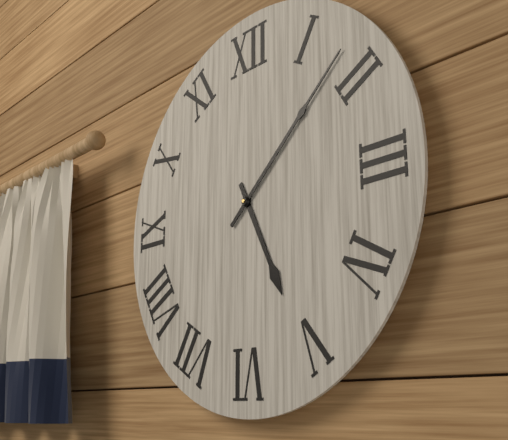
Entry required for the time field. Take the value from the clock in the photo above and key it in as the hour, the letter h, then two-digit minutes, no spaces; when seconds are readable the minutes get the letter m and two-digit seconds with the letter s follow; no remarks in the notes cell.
5h08
